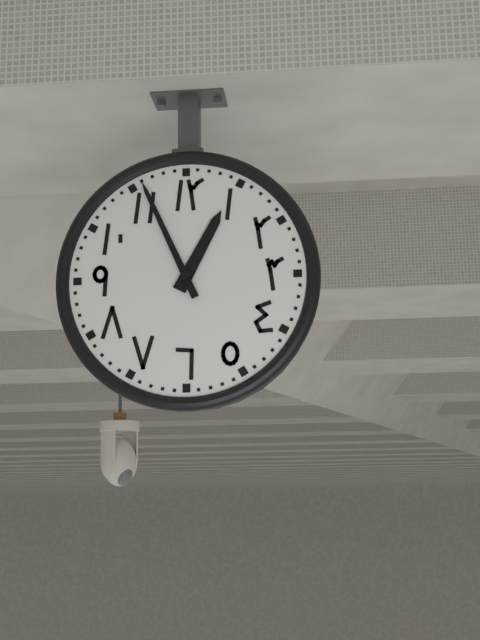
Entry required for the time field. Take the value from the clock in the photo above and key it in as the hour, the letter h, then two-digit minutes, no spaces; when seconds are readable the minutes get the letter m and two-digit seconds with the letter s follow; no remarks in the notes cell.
12h56
